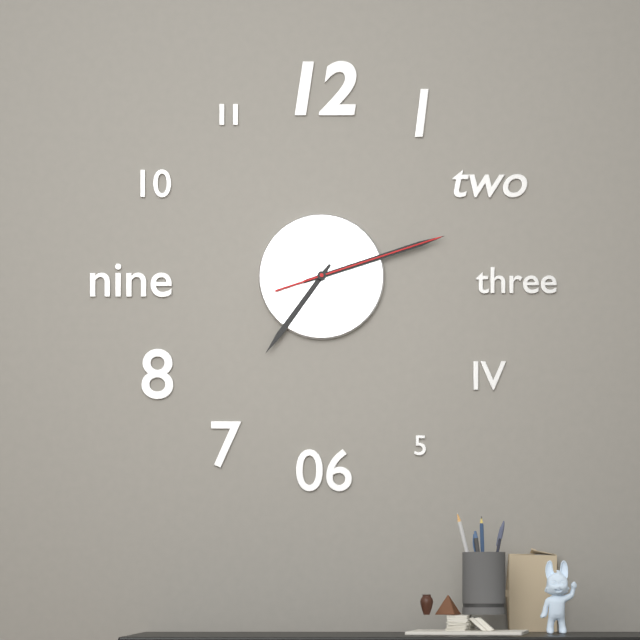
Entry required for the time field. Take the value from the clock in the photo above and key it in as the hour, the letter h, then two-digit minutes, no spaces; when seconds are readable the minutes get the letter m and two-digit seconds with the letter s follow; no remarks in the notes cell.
7h12m12s
